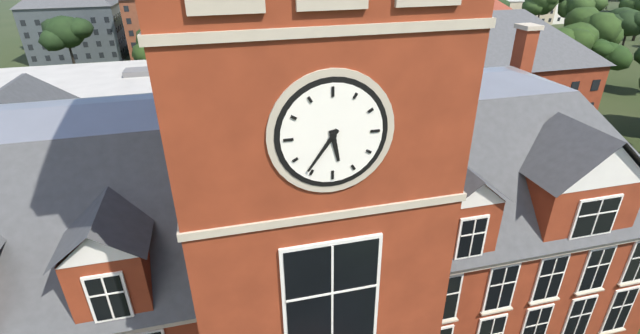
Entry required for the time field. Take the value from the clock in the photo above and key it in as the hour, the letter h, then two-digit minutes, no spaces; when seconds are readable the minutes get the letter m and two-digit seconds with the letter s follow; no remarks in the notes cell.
5h36
